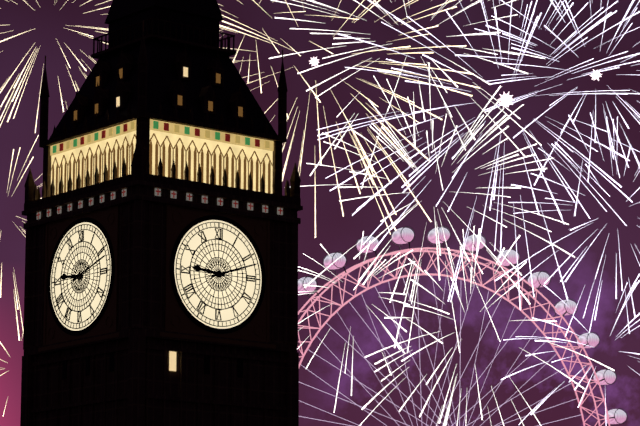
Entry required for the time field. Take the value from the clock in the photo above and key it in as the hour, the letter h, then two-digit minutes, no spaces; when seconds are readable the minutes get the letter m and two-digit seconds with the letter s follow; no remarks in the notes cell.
9h12
